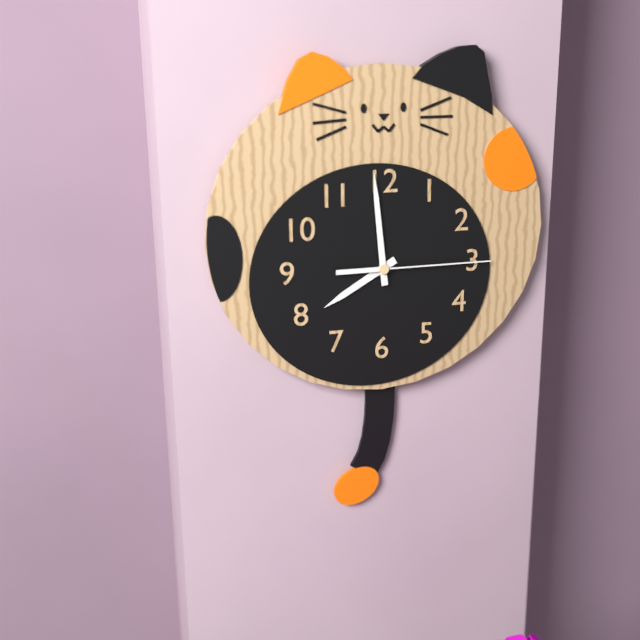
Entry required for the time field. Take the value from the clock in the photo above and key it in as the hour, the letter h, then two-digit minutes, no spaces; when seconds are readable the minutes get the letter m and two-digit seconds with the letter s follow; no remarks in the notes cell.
7h59m15s
